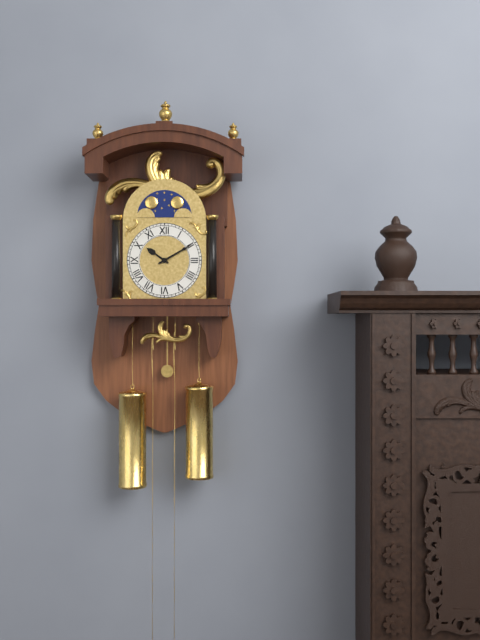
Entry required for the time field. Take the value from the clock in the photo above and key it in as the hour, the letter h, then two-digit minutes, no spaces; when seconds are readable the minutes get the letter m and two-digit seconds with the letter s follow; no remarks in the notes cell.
10h10
